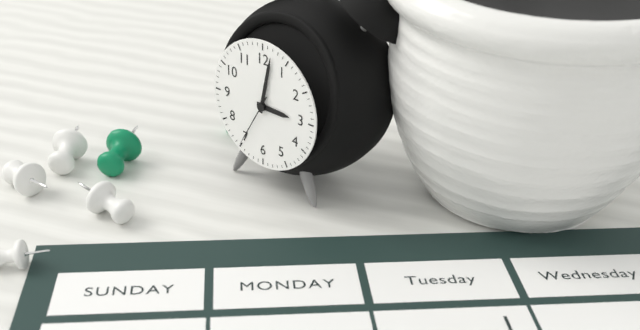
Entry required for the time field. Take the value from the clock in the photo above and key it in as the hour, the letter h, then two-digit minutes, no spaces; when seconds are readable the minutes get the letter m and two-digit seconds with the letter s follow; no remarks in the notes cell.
3h02m35s
